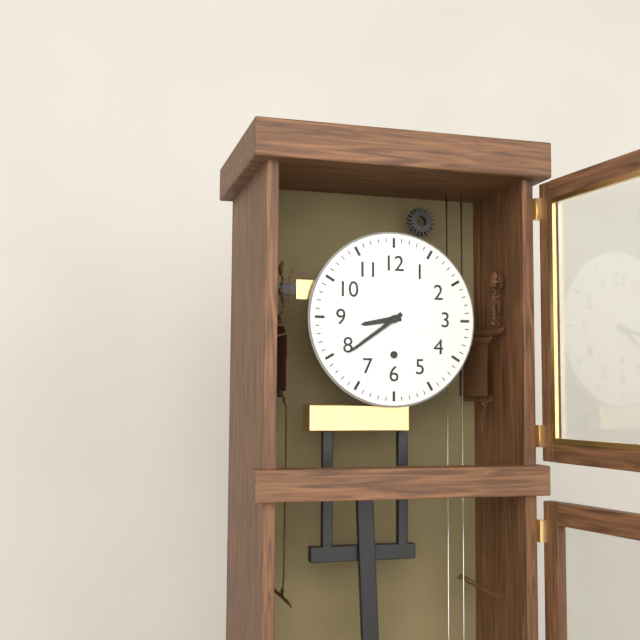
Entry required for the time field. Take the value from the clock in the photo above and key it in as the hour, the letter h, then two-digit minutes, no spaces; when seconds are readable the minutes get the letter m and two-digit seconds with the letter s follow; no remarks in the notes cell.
8h39
